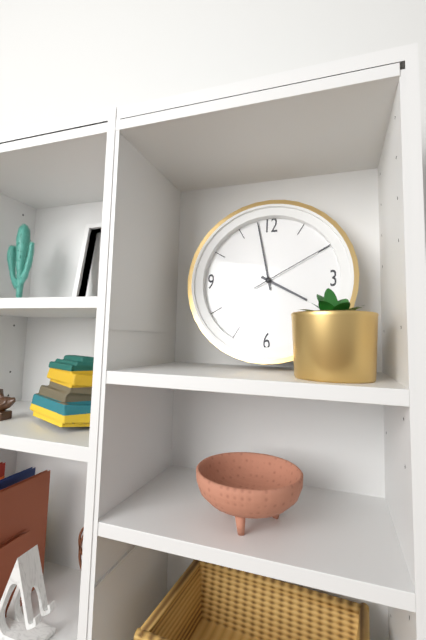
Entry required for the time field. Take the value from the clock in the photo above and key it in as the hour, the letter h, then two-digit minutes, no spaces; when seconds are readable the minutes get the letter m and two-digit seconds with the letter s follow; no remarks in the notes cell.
3h58m10s
